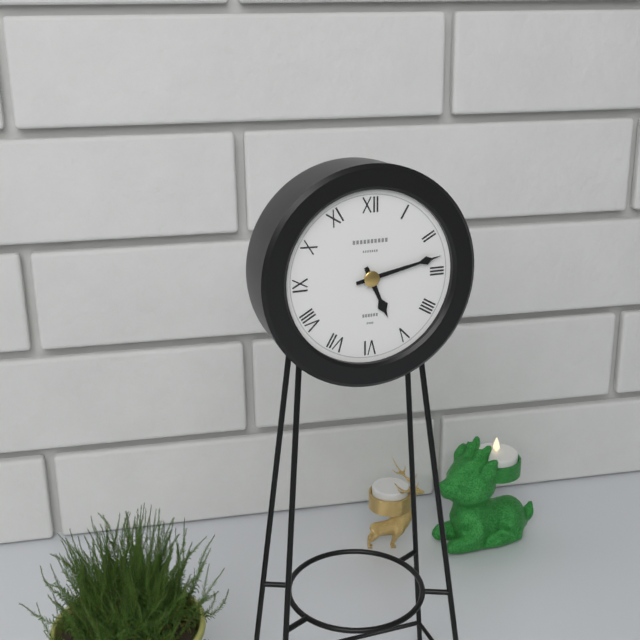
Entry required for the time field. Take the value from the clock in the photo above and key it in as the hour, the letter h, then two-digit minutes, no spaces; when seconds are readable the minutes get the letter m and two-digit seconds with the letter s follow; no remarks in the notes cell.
5h13
